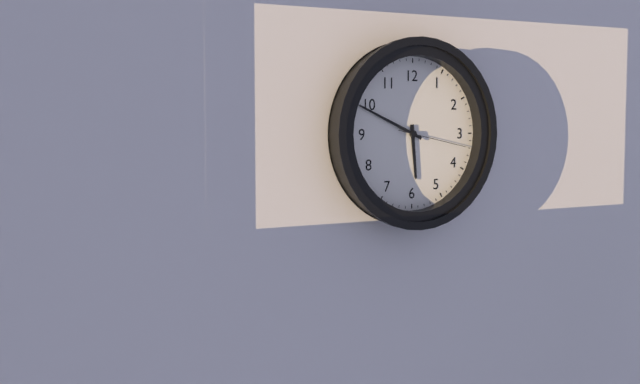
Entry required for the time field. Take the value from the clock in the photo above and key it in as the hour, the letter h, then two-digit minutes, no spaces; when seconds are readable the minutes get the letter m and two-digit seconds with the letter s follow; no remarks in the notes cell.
5h49m17s
